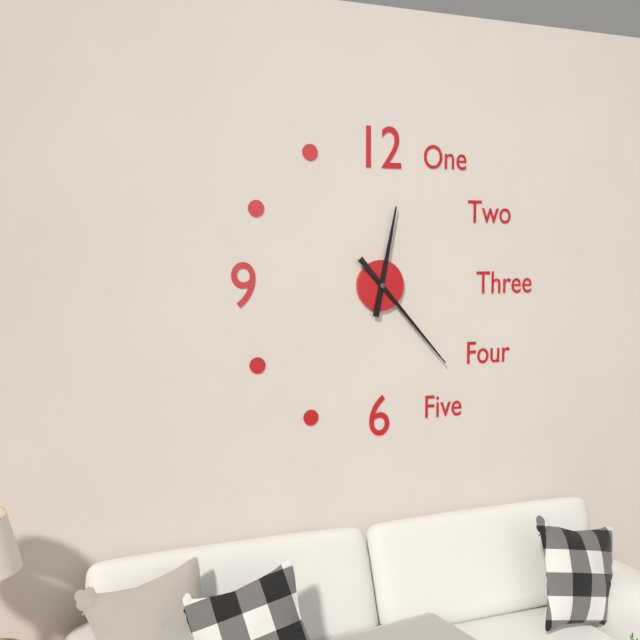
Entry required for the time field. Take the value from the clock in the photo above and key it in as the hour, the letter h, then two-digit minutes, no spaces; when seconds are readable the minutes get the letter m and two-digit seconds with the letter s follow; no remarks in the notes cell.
12h23
